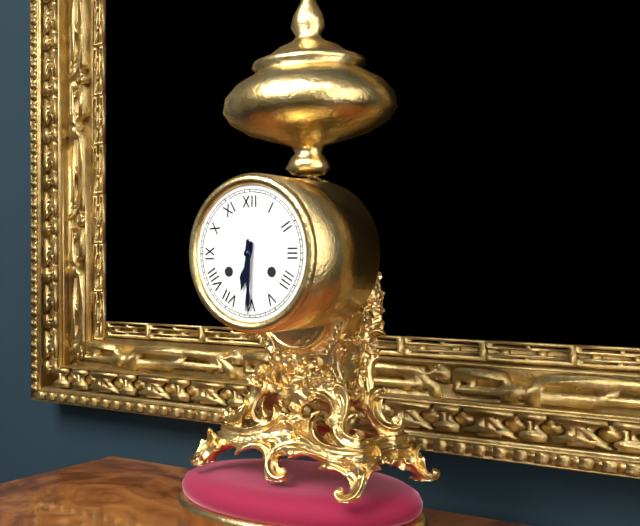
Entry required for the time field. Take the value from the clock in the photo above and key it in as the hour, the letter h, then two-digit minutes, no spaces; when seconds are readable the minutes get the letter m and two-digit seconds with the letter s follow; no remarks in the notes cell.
6h30
